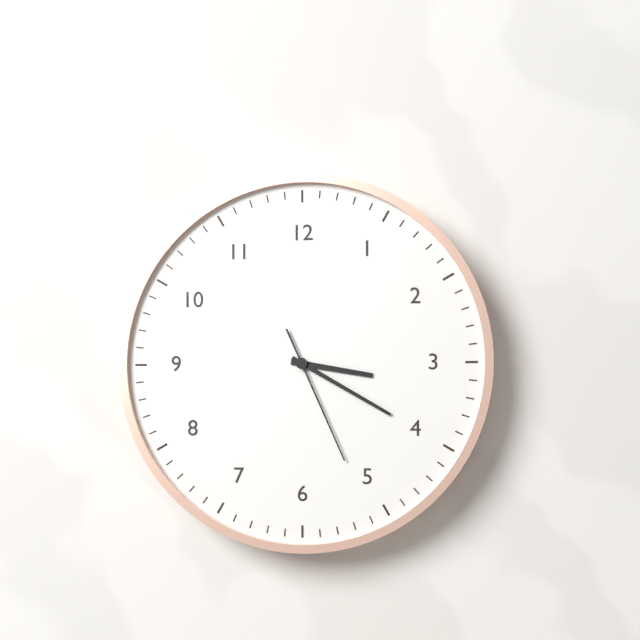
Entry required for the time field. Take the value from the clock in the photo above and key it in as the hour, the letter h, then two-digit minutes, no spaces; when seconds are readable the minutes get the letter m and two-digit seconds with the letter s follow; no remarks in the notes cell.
3h20m26s
